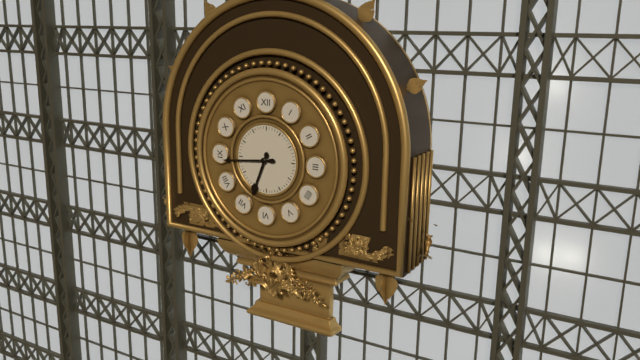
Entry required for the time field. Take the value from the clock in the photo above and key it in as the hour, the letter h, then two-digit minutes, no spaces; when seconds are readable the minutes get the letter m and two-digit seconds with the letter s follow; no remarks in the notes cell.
6h44
